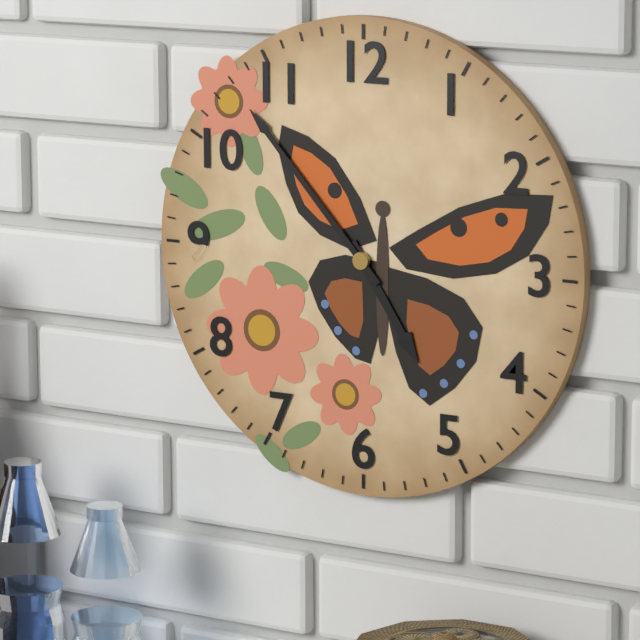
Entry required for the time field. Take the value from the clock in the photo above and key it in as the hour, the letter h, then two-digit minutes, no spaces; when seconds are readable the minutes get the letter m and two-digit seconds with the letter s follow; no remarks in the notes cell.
4h53
